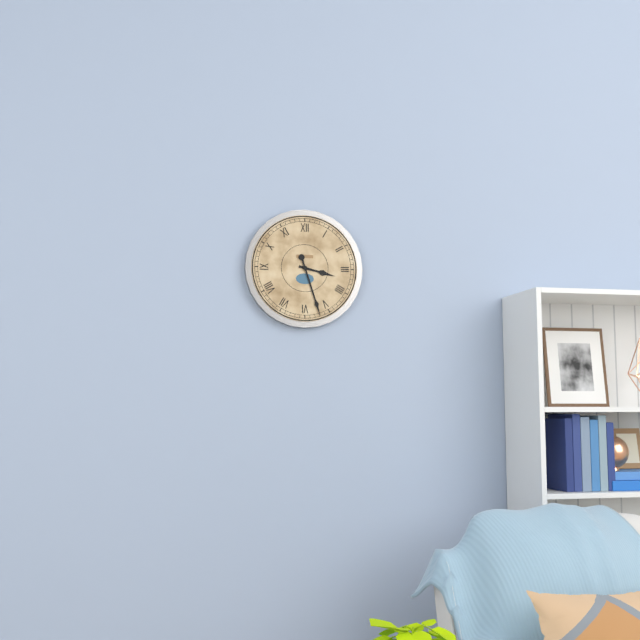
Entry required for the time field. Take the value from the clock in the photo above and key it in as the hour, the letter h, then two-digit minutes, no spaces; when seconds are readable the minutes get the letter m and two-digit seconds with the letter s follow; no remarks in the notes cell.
3h27
